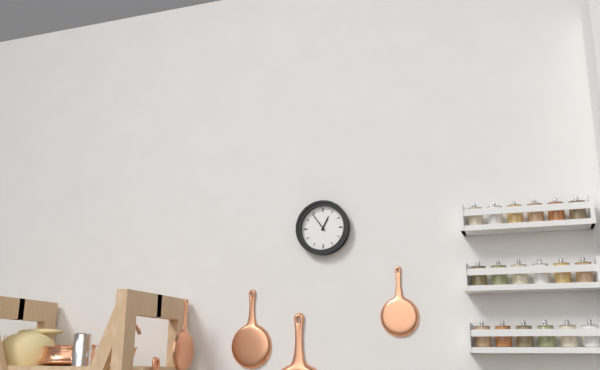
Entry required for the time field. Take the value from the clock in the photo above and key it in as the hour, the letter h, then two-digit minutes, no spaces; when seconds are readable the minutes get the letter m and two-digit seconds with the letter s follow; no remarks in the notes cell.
12h54
